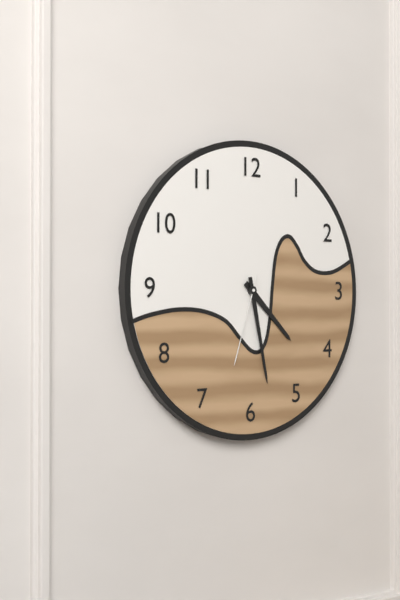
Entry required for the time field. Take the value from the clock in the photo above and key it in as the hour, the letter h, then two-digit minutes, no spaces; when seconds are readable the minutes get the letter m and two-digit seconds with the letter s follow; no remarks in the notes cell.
4h28m33s
